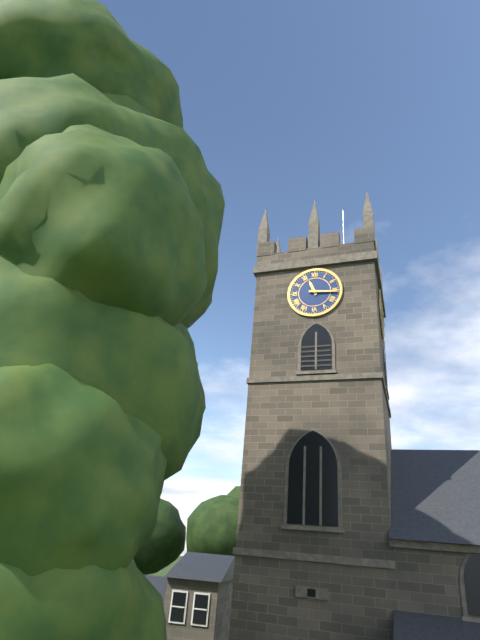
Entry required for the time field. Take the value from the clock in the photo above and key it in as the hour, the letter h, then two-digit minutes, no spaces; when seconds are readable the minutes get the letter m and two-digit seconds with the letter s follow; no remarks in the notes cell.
11h16
